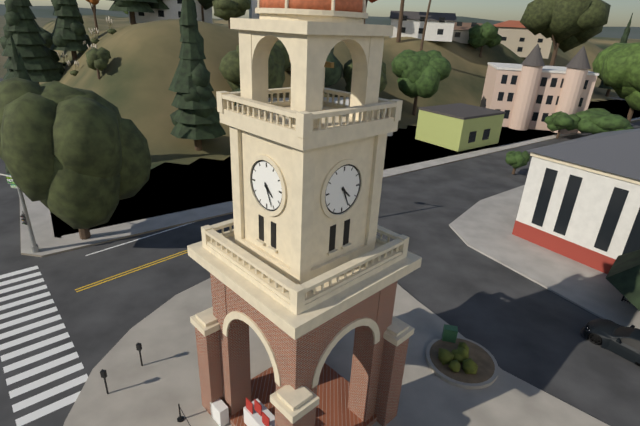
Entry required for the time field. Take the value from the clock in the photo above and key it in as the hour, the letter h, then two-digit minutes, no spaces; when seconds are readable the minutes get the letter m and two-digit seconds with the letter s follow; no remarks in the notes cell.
4h26
